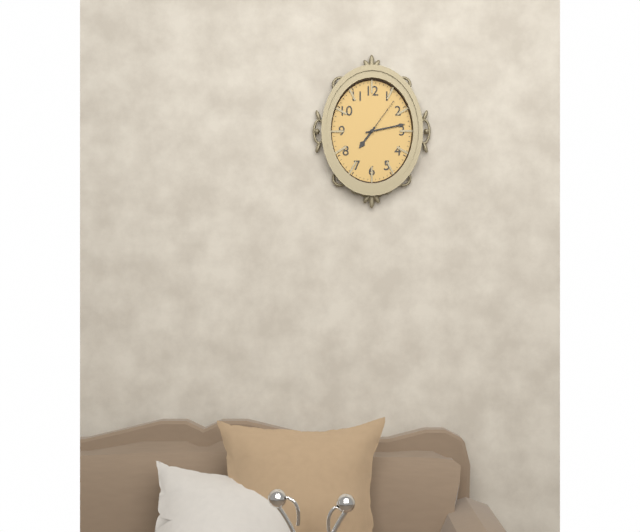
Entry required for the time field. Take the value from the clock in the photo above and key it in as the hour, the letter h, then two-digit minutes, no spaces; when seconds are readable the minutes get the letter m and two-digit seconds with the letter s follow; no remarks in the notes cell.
7h13
